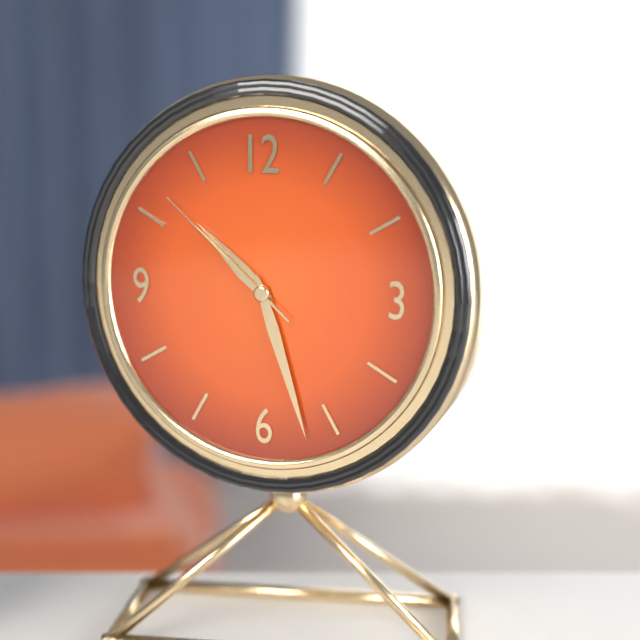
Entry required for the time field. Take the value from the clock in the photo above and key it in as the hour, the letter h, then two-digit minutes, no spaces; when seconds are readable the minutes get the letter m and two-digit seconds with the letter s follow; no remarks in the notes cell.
10h27m52s
